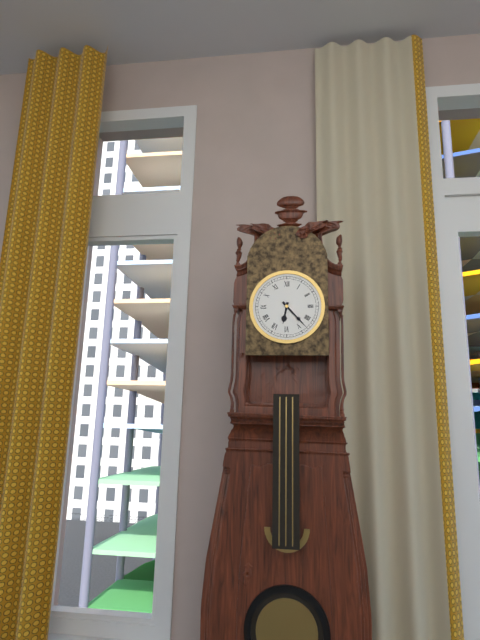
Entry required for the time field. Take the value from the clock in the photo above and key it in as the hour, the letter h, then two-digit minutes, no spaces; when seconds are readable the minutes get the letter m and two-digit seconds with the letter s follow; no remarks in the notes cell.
6h23
